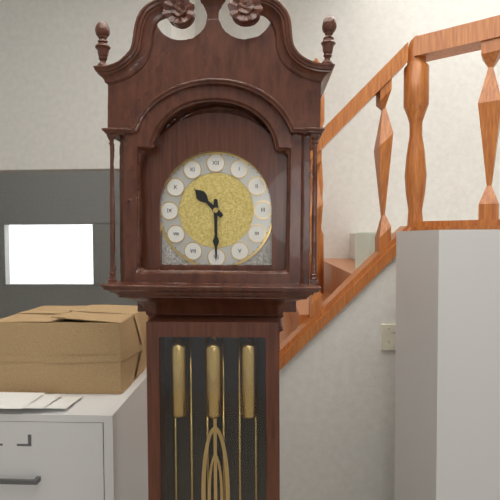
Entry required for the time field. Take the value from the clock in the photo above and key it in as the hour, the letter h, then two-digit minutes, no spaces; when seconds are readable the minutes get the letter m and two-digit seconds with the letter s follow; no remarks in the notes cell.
10h30
